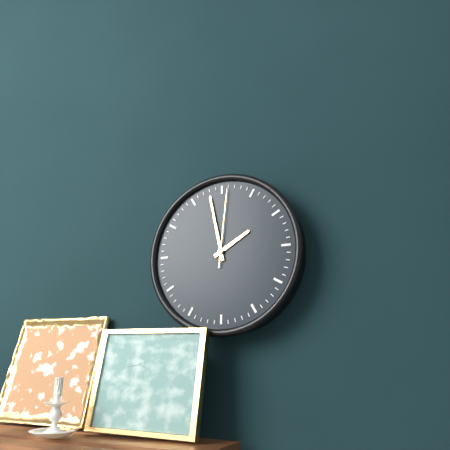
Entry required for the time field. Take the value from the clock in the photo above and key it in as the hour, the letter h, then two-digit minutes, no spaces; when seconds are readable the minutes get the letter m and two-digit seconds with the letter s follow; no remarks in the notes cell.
1h58m01s
